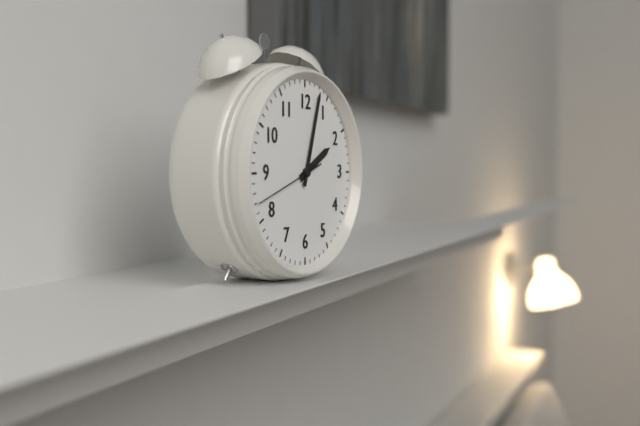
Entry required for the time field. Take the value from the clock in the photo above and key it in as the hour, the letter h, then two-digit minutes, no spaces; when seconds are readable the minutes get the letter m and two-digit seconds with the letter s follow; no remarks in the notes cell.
2h03m42s
